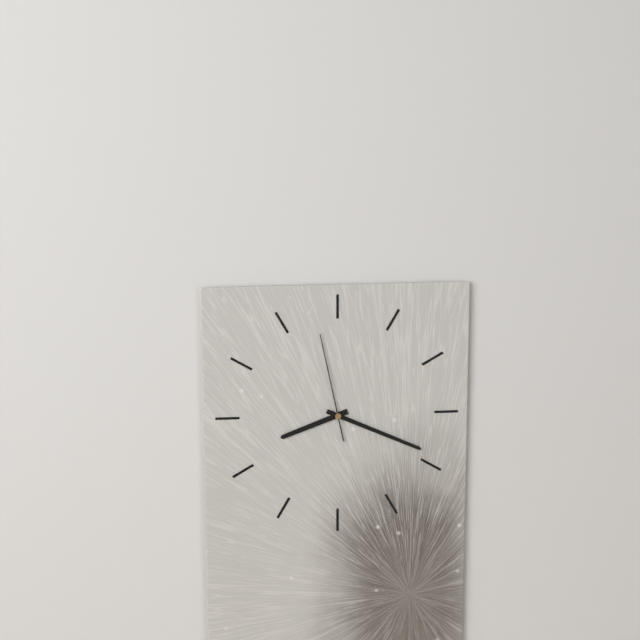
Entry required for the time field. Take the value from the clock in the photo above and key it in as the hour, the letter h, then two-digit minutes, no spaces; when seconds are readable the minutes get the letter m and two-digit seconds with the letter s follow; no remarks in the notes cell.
8h19m58s
